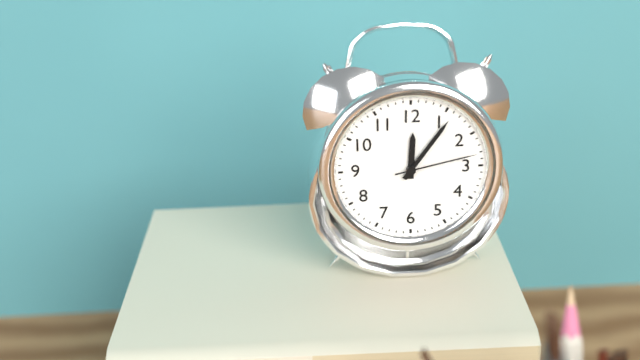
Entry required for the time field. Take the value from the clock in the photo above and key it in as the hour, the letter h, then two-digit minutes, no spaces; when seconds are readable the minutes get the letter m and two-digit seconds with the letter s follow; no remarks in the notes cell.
12h06m13s
